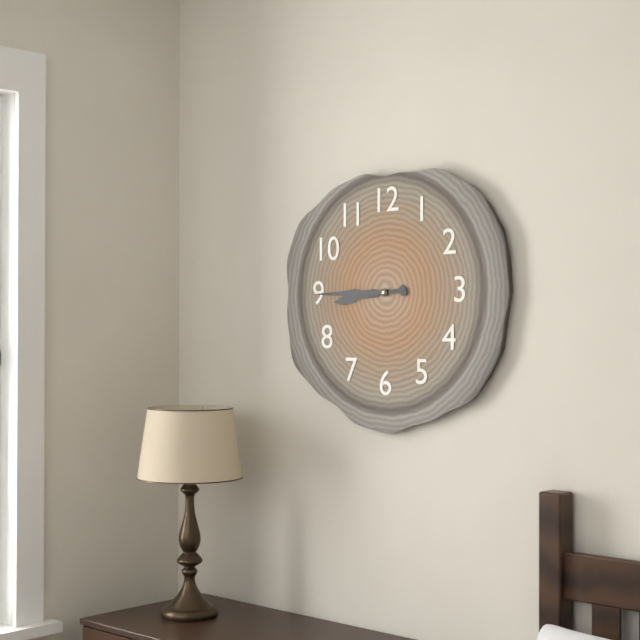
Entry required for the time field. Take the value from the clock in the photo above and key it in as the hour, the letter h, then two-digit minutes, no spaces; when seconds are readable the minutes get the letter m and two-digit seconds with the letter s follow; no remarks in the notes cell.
8h45
